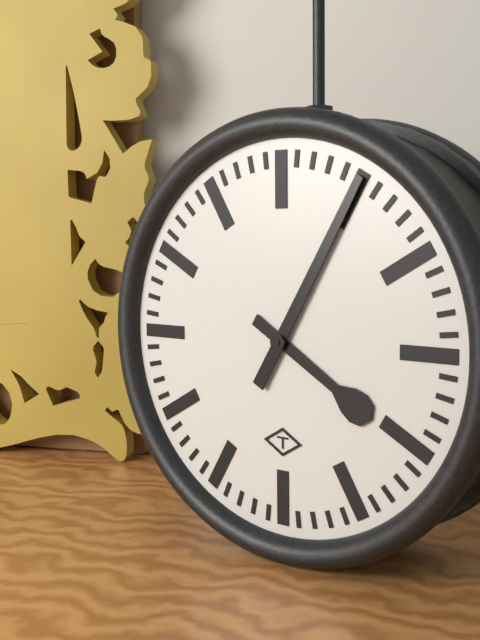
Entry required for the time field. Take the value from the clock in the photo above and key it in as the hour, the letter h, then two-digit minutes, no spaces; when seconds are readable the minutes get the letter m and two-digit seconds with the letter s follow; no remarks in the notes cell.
4h05
